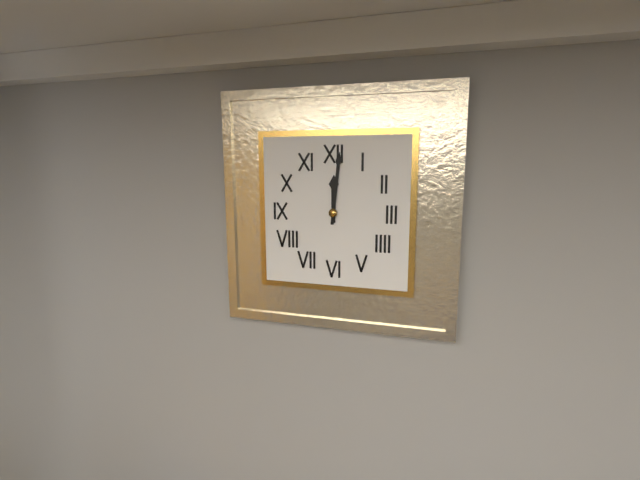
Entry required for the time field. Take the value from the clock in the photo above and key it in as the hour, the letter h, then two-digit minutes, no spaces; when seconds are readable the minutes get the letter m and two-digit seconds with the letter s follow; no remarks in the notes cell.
12h01
